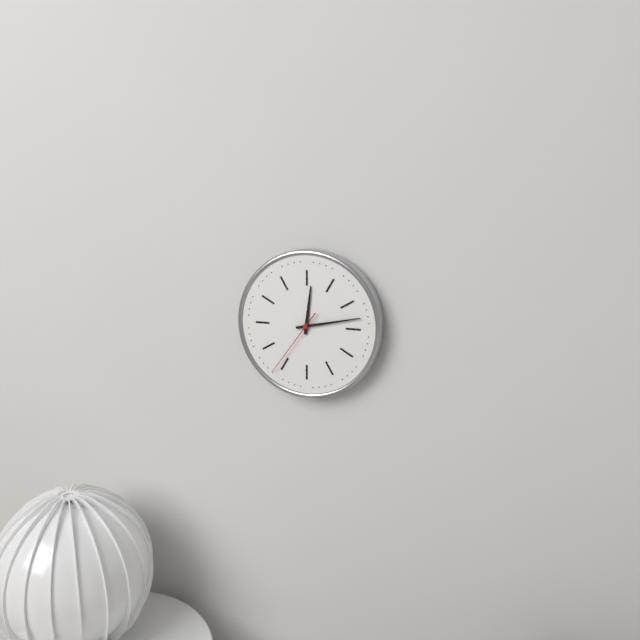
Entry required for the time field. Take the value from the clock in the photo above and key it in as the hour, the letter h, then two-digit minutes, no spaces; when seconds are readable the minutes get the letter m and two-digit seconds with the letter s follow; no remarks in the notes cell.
12h13m36s
